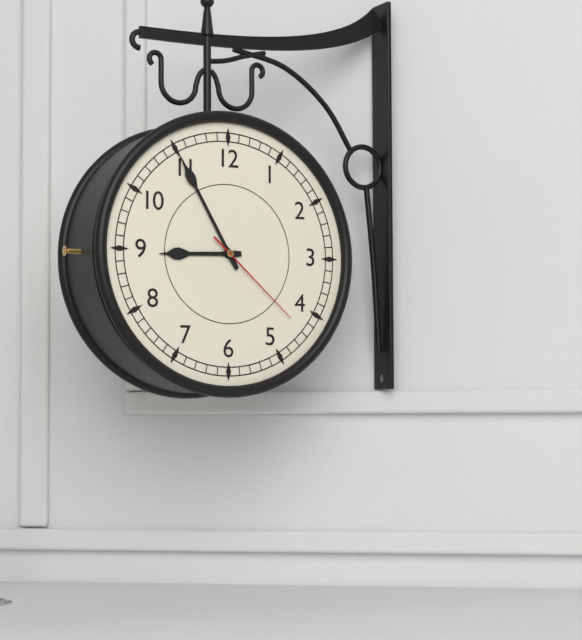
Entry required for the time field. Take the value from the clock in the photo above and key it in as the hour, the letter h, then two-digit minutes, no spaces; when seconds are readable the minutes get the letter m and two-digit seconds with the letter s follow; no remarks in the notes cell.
8h55m22s
